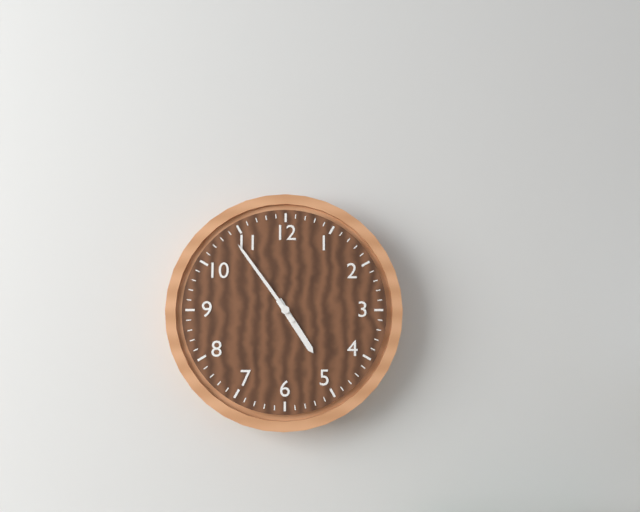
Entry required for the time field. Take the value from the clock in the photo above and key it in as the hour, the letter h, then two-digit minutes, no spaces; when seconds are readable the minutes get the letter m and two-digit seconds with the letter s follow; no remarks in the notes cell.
4h54
